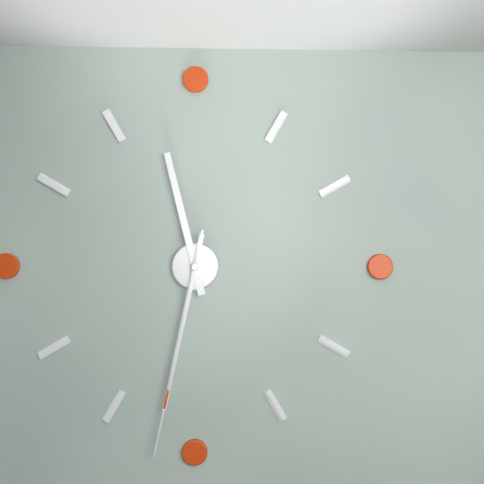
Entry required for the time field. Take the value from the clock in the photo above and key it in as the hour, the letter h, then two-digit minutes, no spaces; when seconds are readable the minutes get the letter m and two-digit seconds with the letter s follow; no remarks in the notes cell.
11h32m32s
